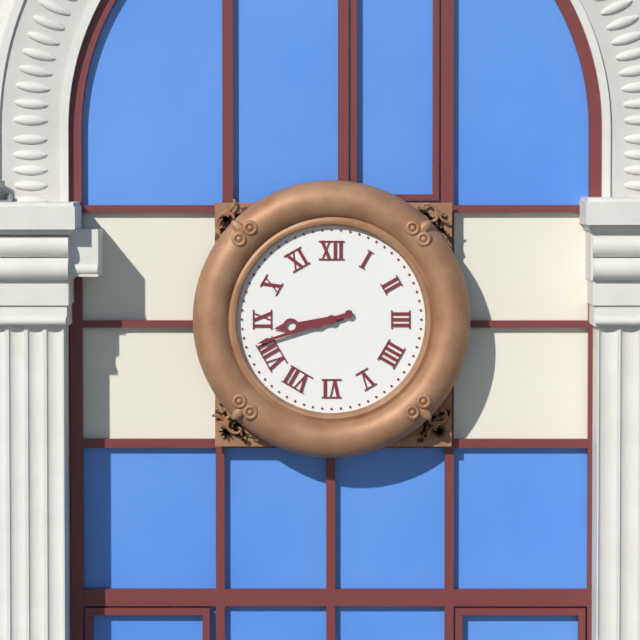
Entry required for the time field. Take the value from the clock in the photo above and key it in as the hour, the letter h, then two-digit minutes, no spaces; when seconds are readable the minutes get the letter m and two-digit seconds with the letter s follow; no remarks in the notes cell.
8h42
